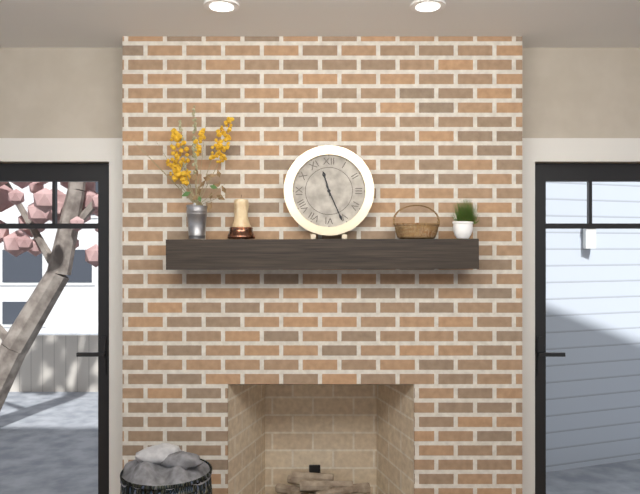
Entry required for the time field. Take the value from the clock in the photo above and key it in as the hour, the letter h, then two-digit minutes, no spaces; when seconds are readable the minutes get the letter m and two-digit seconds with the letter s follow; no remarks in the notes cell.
11h26
